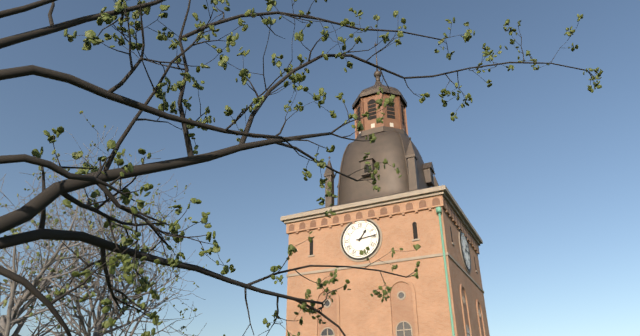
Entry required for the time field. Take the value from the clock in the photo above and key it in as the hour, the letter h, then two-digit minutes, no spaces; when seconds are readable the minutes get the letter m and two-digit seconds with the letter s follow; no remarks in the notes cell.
1h14
